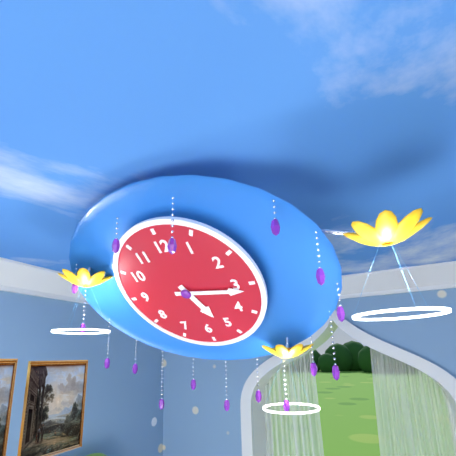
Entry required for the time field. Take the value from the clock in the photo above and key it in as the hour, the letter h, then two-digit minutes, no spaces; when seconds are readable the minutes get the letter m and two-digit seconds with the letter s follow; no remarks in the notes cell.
5h16
